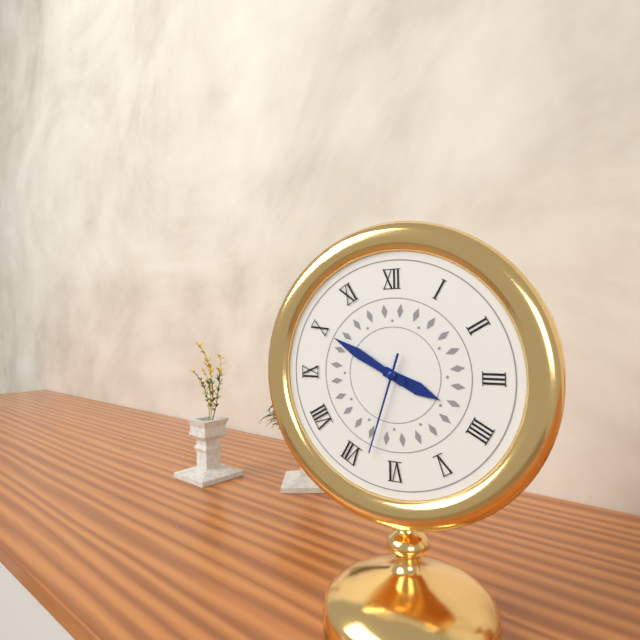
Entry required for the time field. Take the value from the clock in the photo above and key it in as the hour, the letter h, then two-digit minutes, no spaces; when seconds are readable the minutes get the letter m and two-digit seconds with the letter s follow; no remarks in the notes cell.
3h50m33s
